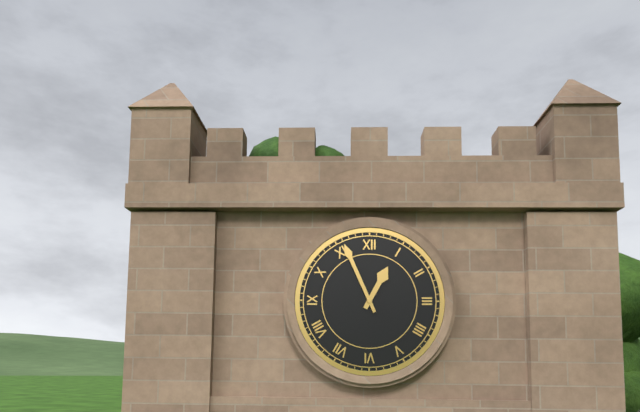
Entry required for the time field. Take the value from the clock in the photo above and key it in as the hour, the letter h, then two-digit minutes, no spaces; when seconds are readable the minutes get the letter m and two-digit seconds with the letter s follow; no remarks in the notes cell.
12h56
